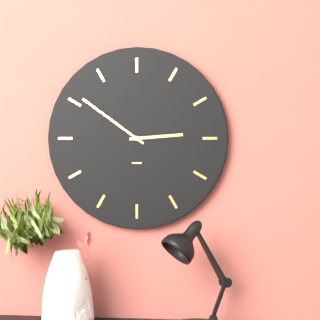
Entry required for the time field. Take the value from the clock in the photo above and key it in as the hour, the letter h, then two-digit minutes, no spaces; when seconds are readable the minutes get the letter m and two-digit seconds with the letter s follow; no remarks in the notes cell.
2h51
